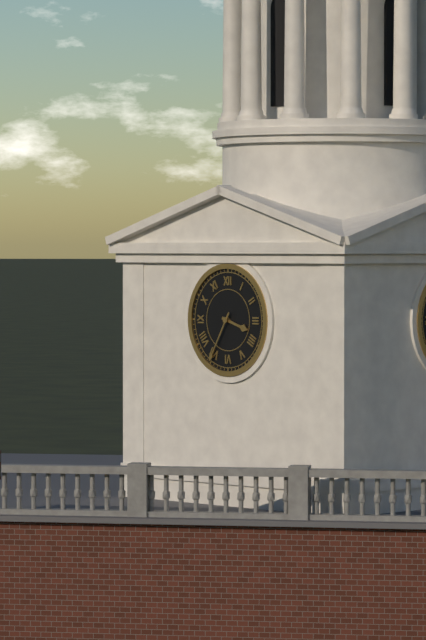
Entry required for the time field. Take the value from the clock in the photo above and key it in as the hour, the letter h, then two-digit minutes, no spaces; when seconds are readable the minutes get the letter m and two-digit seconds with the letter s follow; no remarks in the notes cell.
3h35
